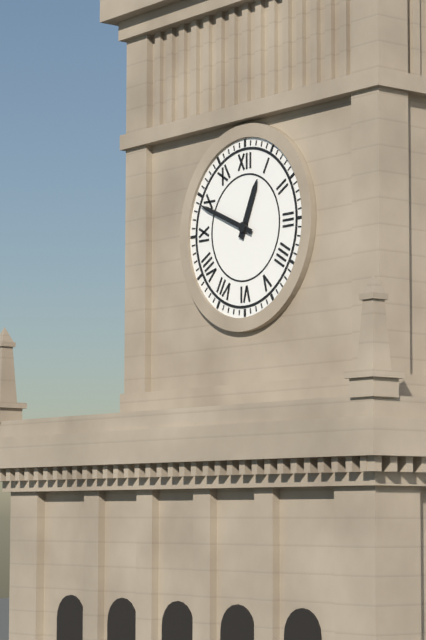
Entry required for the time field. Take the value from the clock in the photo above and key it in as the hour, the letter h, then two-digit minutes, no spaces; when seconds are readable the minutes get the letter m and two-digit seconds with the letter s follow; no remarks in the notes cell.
12h49
